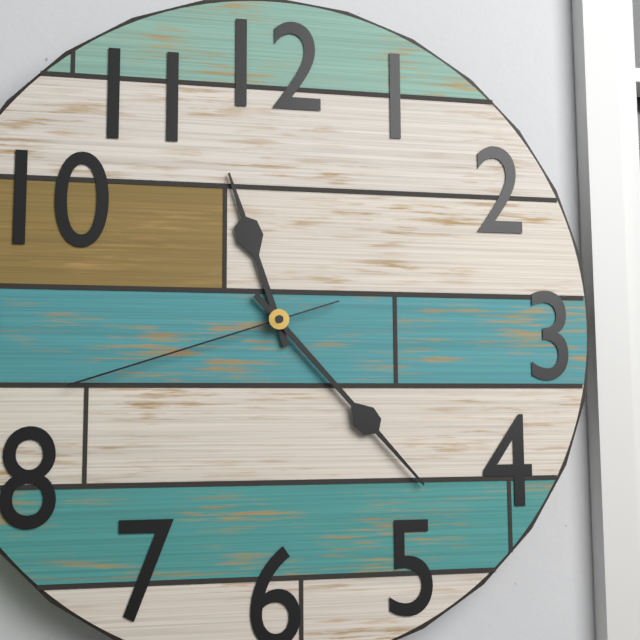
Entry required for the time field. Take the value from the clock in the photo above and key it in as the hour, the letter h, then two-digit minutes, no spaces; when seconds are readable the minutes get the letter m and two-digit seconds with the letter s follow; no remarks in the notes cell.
11h23m42s
